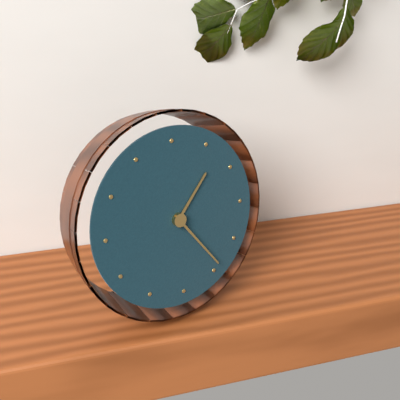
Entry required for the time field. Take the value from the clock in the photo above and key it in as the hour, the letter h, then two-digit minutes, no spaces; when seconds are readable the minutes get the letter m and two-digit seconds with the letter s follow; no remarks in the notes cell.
1h24
